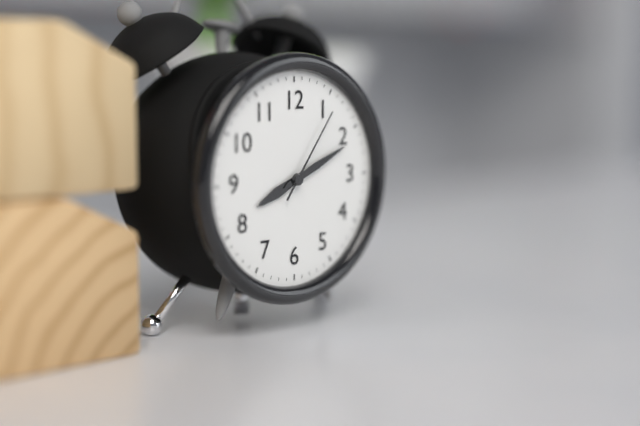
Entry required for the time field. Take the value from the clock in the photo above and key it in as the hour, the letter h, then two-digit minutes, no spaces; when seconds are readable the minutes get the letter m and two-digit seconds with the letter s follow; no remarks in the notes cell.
8h11m06s
